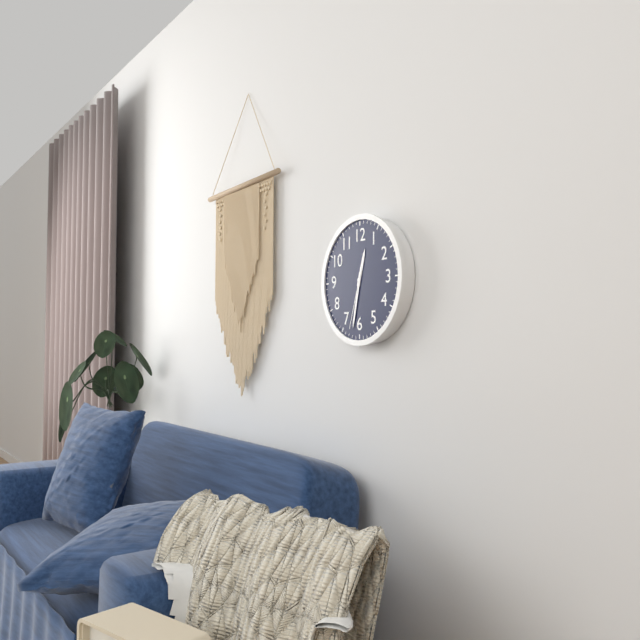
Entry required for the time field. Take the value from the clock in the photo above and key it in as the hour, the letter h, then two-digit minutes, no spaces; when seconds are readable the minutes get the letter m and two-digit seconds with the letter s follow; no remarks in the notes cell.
12h32m33s
